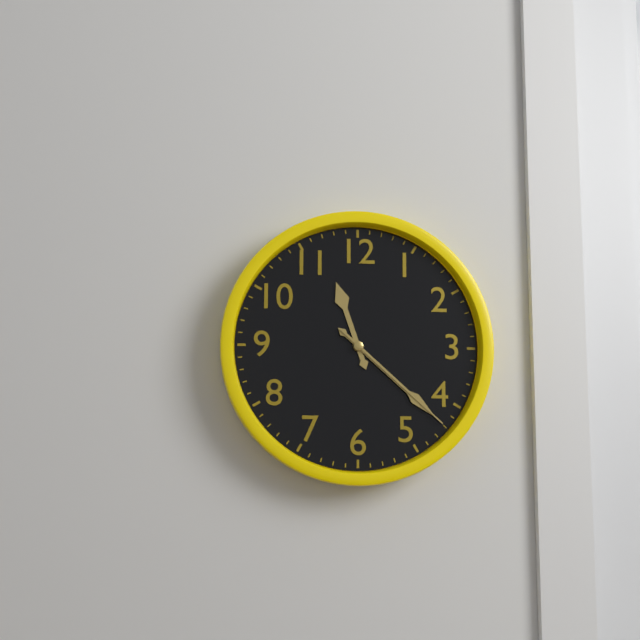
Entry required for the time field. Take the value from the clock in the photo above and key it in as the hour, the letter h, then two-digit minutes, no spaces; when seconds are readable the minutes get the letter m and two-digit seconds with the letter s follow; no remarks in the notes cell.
11h22m22s
